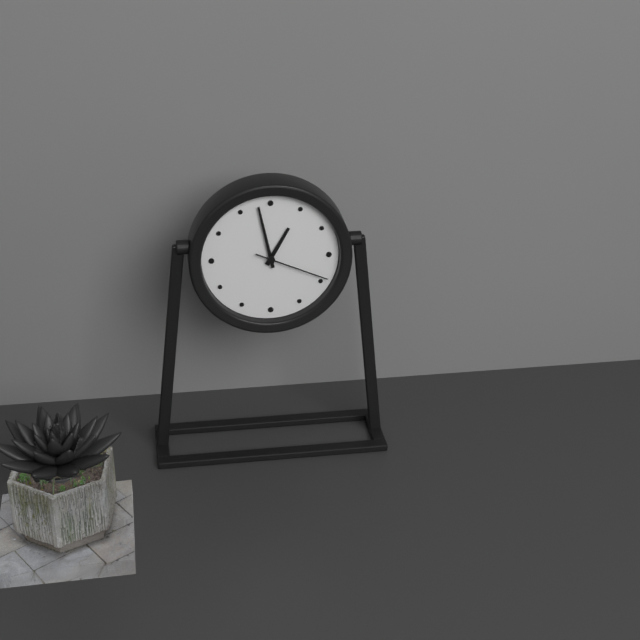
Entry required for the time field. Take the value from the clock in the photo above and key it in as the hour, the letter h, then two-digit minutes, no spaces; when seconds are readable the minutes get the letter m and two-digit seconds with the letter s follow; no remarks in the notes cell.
12h58m19s
